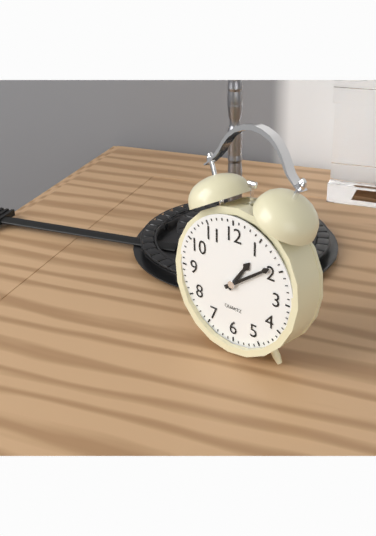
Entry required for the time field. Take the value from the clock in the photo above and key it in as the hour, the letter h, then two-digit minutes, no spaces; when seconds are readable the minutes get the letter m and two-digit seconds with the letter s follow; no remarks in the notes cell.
1h09
